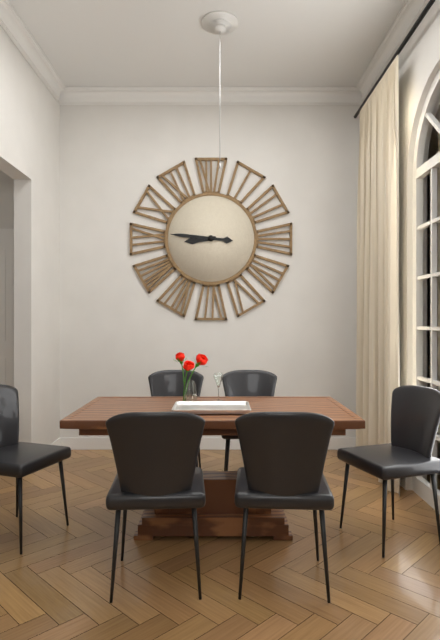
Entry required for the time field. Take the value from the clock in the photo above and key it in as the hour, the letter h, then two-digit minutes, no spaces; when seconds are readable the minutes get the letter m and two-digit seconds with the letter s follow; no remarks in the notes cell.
8h46
